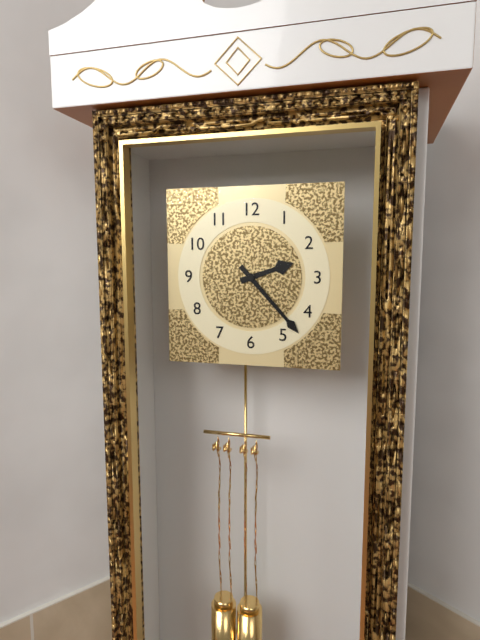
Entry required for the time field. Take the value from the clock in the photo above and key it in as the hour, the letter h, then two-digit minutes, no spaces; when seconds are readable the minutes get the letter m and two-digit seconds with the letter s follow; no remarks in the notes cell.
2h23
